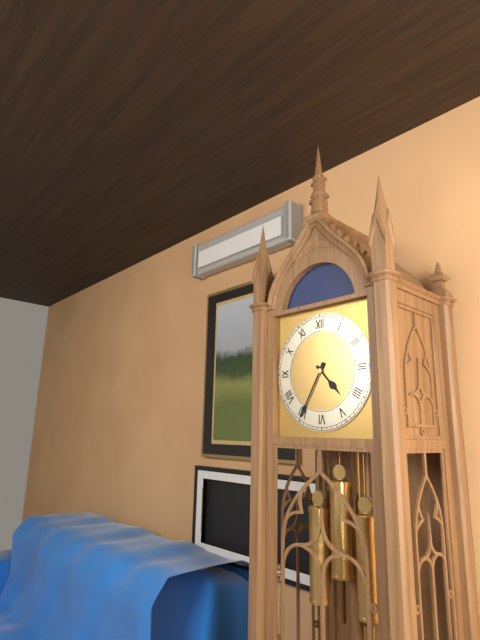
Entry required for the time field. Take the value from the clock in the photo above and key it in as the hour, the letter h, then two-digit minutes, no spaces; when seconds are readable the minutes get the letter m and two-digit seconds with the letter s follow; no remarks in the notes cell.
4h35
